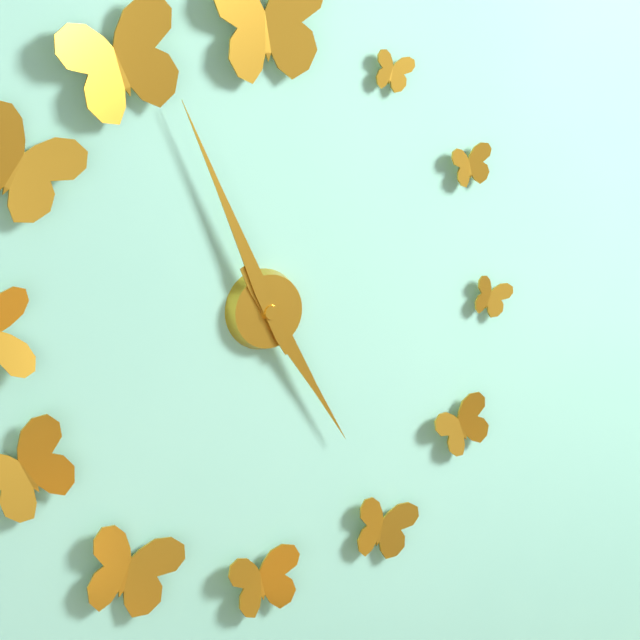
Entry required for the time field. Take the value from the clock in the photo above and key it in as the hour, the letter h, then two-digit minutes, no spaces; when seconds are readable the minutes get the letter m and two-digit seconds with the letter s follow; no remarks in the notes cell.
4h56
